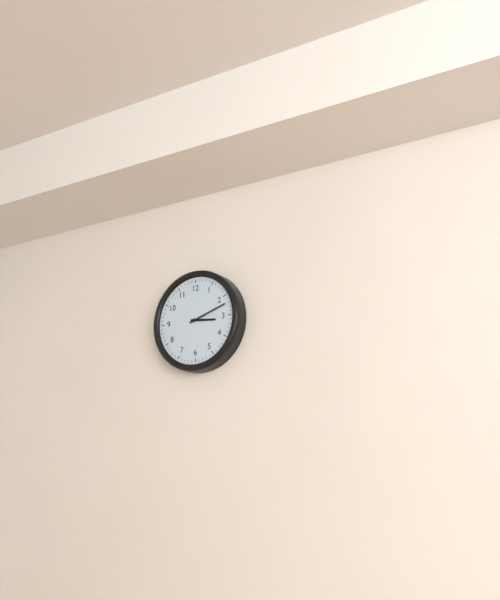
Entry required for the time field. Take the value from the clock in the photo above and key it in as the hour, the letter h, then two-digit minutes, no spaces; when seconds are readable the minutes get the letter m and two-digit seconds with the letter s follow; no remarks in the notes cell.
3h12
